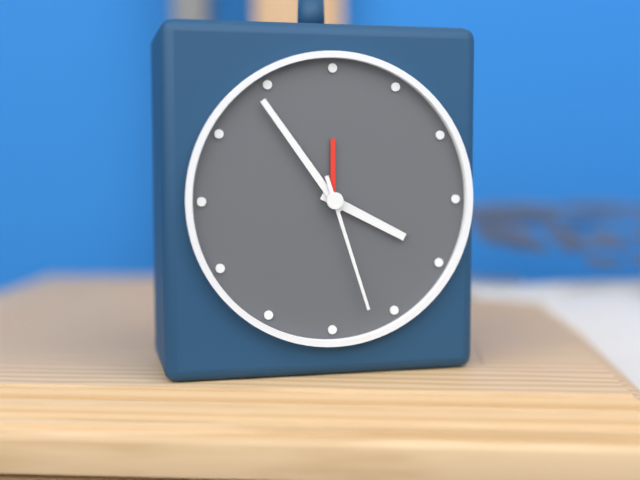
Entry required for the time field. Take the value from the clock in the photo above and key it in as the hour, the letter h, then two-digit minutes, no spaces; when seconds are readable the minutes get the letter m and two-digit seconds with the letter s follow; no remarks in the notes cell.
3h54m27s
